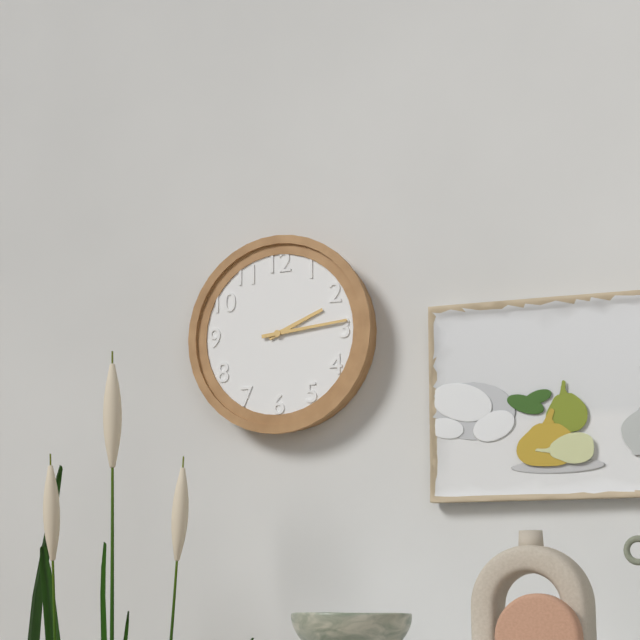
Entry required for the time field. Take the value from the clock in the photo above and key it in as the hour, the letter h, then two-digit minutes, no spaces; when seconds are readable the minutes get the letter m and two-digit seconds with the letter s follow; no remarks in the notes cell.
2h14
